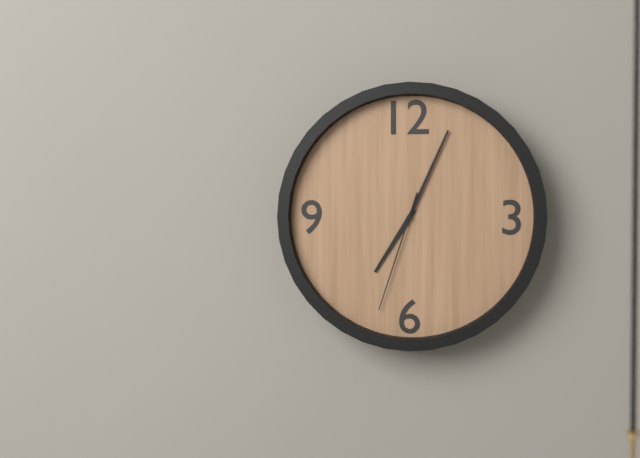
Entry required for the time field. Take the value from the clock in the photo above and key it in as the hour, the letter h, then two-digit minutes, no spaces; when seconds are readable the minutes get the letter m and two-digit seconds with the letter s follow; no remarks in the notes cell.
7h04m33s
